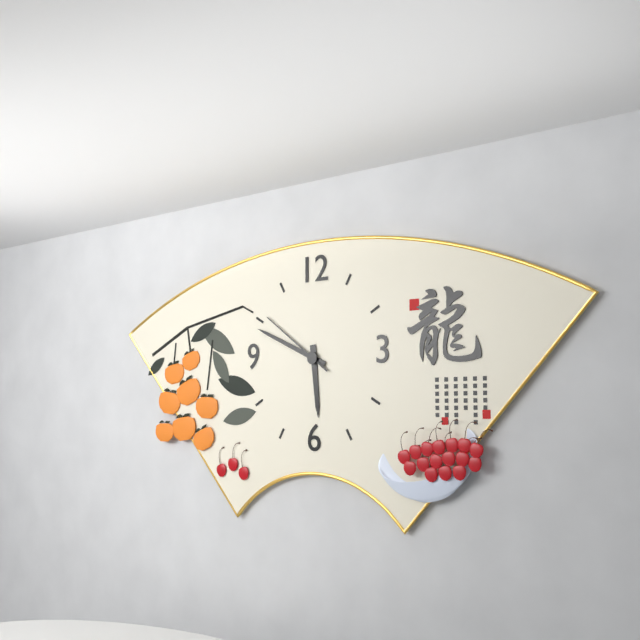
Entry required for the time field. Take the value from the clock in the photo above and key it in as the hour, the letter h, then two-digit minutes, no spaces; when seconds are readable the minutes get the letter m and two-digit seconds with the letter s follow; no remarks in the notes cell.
5h49m51s
